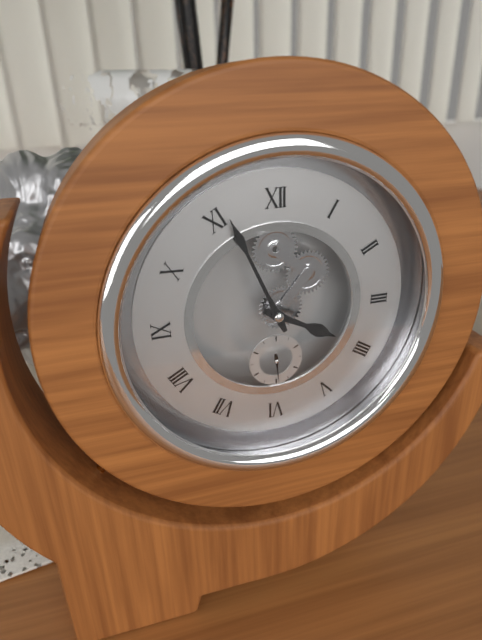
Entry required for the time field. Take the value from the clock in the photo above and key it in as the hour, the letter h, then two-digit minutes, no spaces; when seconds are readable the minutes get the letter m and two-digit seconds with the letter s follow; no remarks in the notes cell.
3h56
